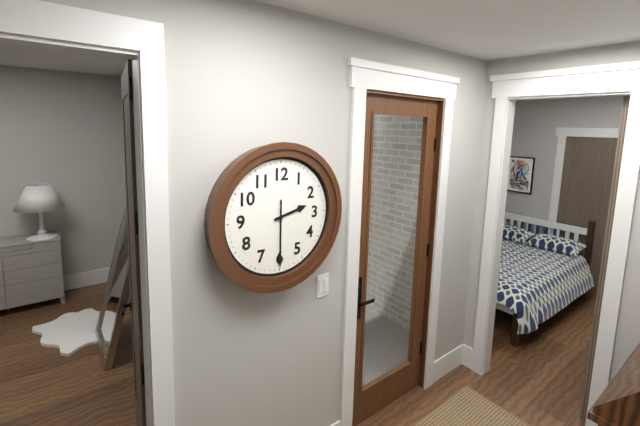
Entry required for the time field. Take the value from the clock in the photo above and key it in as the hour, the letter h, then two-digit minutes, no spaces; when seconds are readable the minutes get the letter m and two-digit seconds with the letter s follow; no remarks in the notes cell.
2h30
